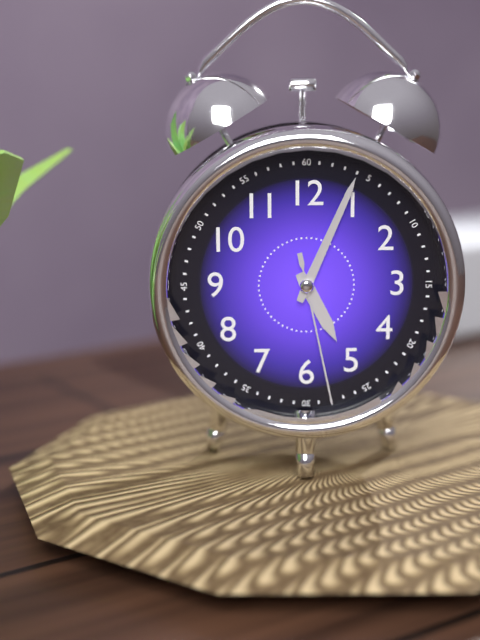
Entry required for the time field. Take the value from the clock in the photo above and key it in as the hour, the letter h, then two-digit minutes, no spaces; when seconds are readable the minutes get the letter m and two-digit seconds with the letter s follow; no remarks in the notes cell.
5h04m28s
